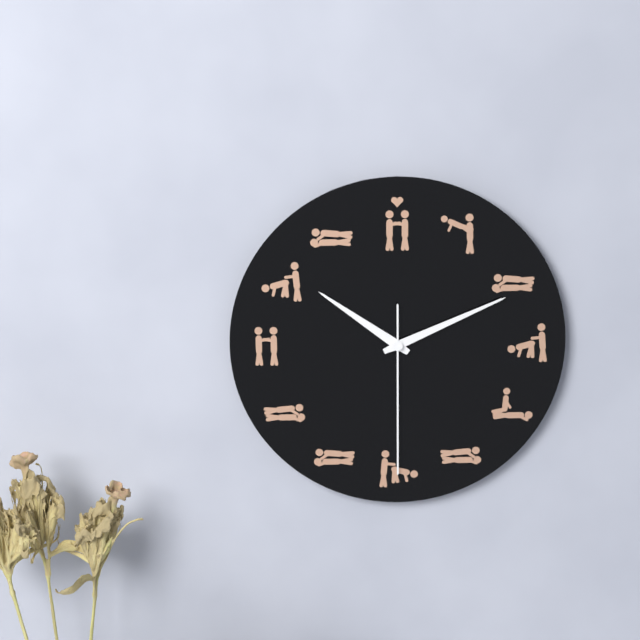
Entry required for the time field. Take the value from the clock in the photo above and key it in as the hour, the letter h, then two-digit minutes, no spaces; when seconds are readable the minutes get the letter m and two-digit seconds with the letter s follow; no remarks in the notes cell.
10h11m30s
